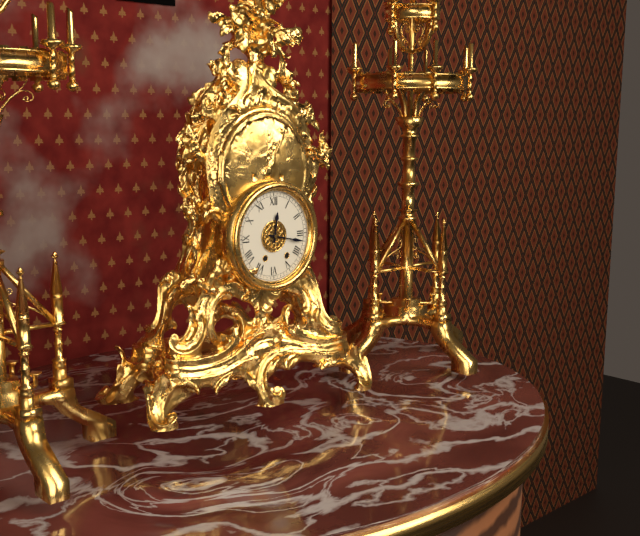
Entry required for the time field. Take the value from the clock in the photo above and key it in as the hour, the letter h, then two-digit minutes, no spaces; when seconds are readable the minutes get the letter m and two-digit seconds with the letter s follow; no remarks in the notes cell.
12h17
